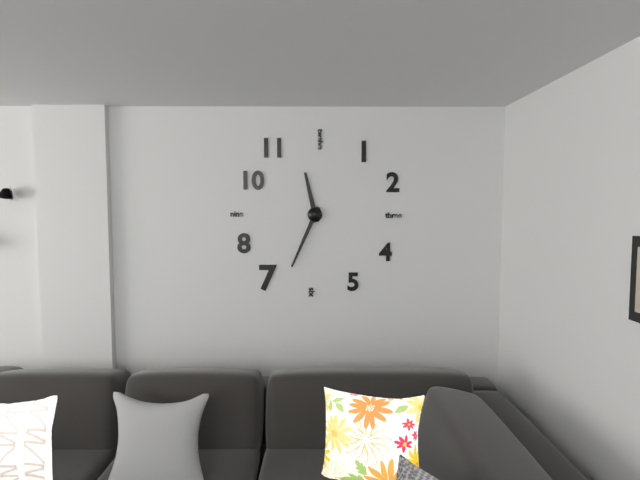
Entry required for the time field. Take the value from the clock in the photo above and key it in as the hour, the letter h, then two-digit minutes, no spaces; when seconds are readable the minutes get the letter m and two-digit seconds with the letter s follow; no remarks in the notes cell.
11h34
